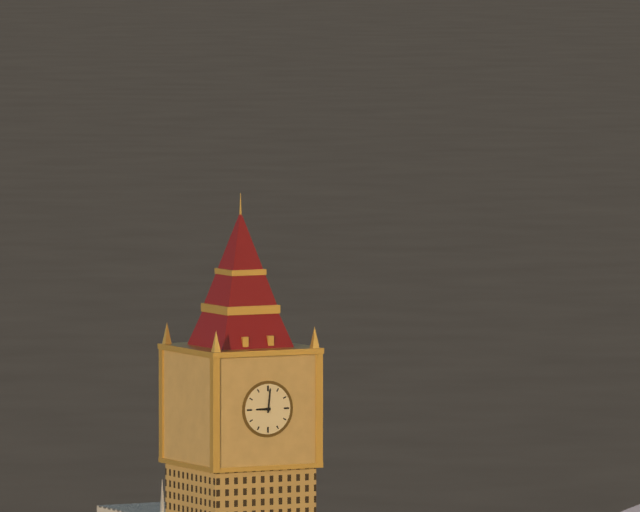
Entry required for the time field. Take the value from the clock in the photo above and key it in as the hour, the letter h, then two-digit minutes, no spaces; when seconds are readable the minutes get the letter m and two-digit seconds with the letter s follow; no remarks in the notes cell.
9h01
